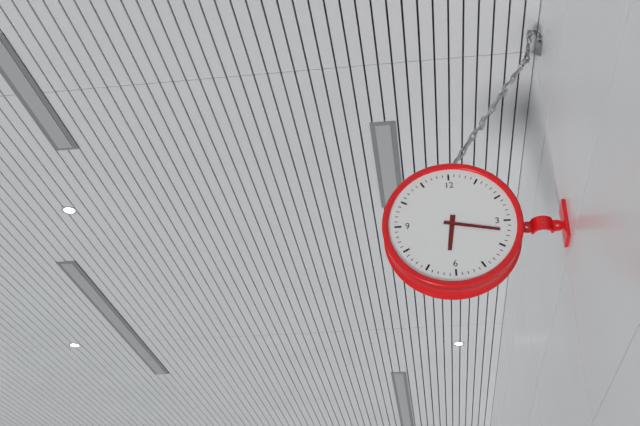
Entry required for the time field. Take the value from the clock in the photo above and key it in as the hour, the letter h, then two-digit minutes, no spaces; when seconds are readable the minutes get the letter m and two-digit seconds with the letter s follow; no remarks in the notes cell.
6h17
